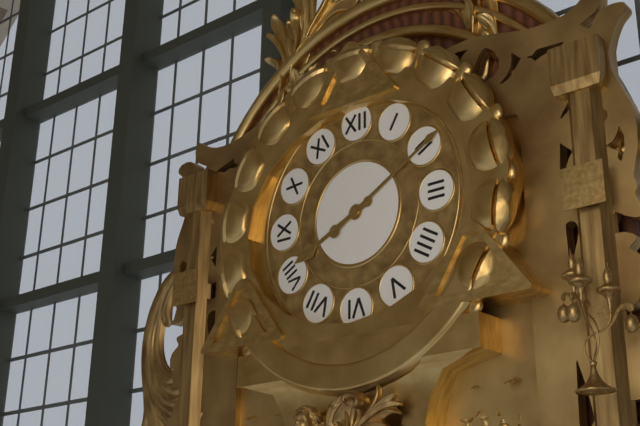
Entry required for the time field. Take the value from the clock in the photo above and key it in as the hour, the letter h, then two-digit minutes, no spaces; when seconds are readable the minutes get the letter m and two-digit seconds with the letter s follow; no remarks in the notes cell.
8h10
